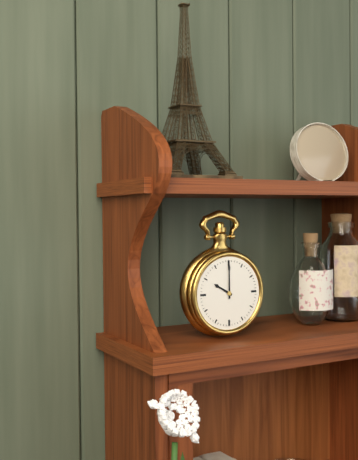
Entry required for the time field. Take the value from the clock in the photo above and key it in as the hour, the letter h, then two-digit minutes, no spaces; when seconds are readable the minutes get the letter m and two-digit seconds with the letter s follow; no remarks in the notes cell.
10h00
